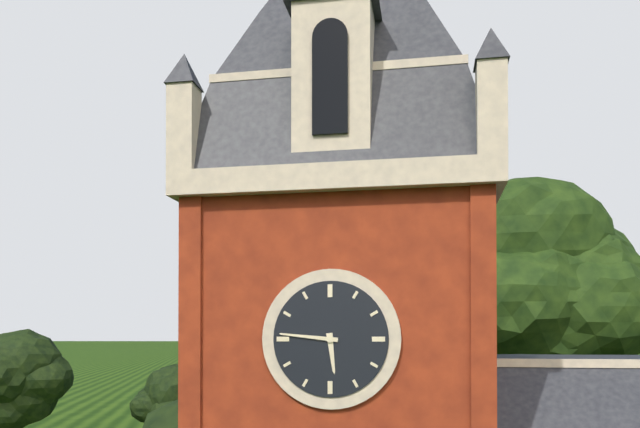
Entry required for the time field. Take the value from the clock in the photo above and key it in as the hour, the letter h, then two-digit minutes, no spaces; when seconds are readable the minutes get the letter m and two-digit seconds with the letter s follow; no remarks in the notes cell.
5h46
